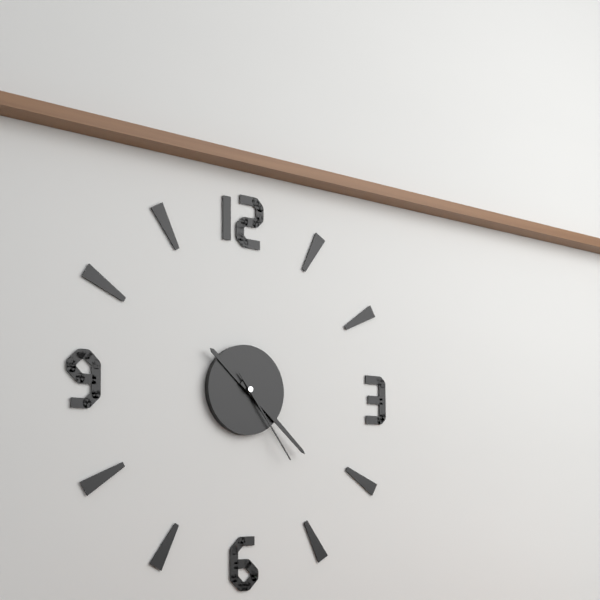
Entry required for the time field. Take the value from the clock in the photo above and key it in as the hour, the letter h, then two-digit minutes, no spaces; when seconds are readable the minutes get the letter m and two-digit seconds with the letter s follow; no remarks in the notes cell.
10h22m24s
